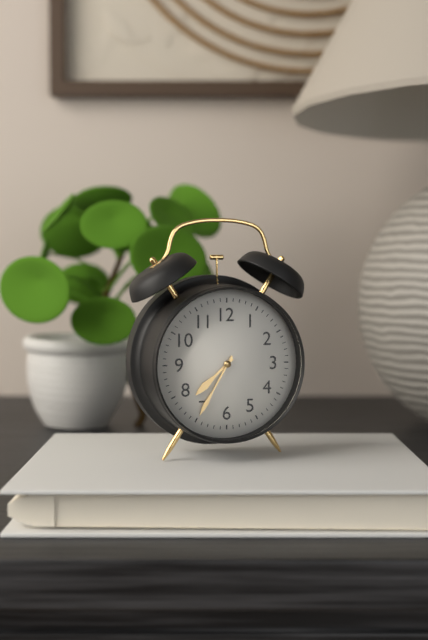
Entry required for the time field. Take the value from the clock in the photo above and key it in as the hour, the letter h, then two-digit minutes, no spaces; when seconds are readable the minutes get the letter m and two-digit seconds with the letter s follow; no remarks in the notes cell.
7h35
